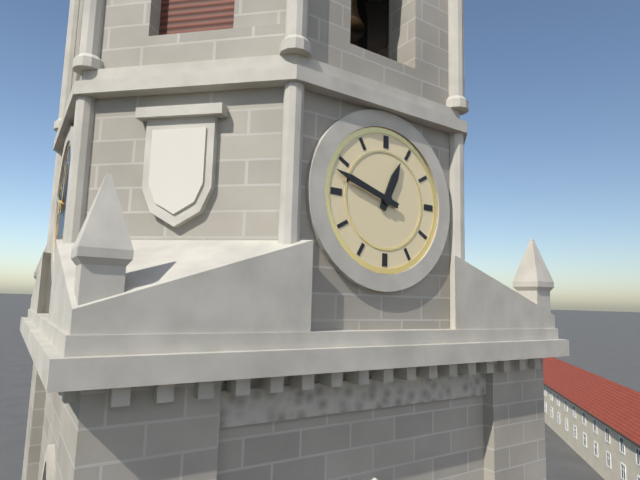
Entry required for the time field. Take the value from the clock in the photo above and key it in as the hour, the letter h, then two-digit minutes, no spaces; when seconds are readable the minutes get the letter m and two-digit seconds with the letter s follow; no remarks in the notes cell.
12h48
